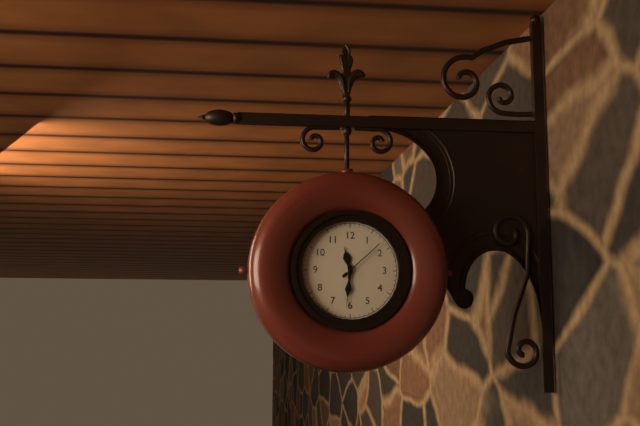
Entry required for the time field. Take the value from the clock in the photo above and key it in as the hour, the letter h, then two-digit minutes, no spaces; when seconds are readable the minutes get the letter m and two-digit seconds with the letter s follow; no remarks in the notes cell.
11h31m08s
